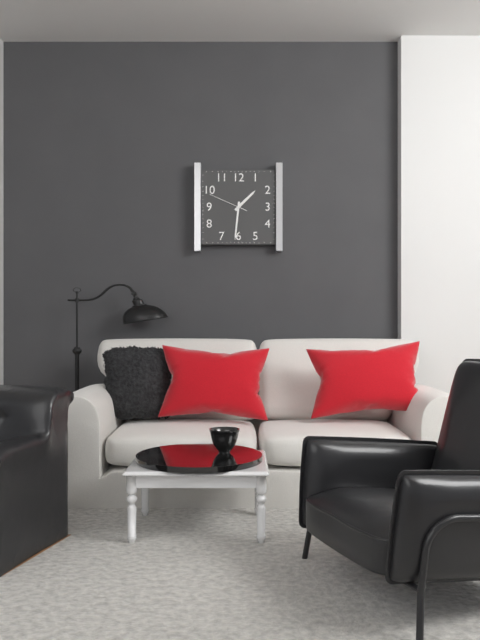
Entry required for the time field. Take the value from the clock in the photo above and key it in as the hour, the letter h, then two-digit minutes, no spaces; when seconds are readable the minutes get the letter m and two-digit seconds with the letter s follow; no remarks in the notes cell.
1h31
